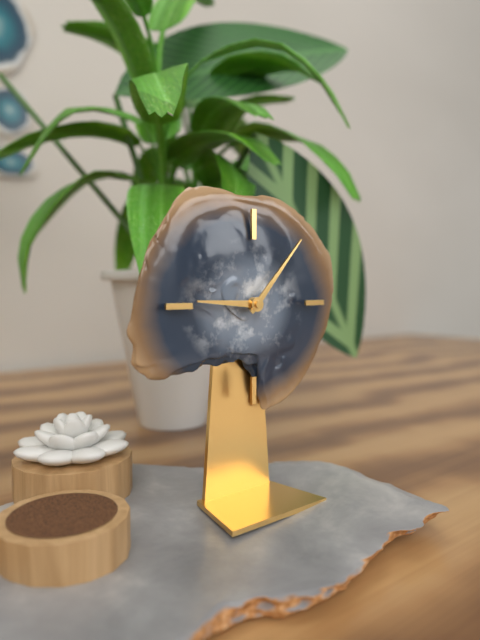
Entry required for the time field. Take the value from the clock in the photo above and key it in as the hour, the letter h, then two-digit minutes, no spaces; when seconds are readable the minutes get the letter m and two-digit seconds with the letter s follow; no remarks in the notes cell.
9h07
